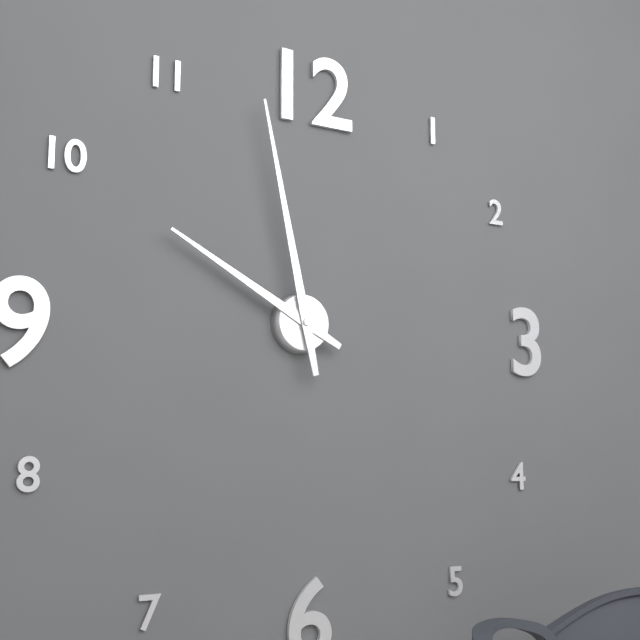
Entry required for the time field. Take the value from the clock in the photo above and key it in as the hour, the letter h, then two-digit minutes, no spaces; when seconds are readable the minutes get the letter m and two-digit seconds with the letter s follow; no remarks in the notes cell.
9h58
